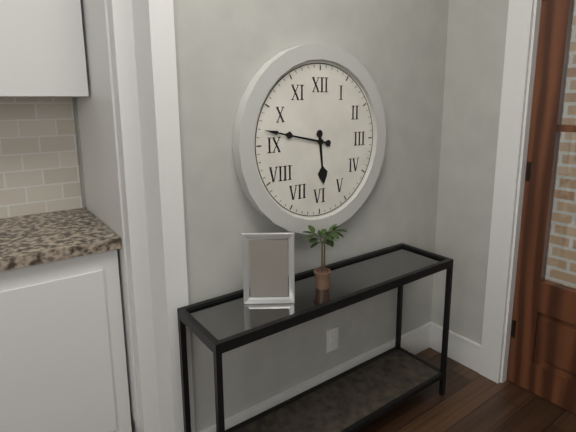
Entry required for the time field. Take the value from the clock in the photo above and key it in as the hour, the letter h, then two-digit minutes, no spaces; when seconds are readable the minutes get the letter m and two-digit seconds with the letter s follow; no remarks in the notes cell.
5h47
